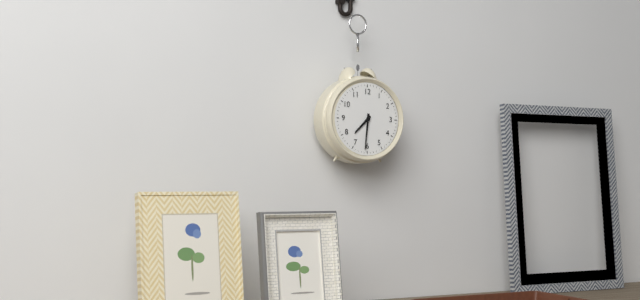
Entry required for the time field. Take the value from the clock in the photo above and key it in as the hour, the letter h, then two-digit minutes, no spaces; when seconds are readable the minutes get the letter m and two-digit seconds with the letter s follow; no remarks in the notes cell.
7h31
